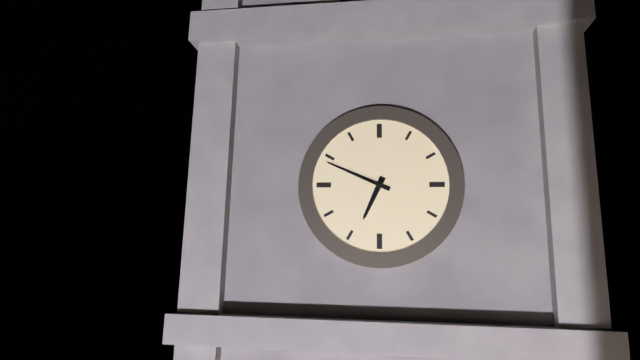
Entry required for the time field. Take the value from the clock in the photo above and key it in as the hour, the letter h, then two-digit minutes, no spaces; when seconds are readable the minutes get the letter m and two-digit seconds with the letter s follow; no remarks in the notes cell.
6h49
